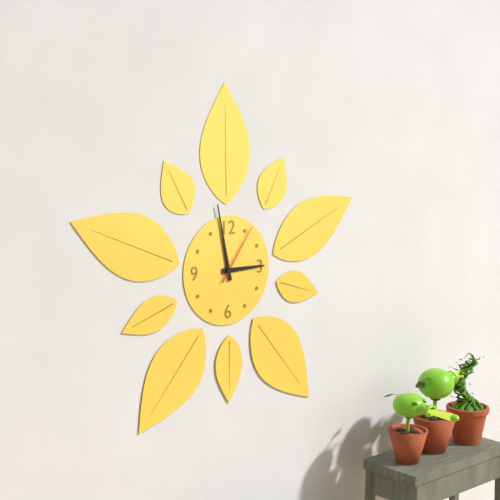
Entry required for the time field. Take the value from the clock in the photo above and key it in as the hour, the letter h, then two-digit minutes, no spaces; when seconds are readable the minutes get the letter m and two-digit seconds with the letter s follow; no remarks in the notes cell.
2h58m06s
